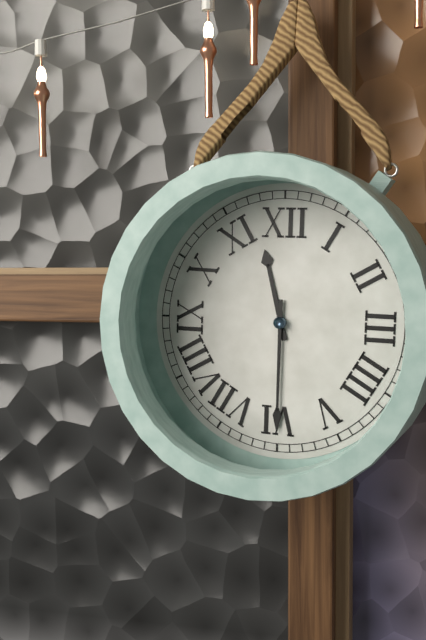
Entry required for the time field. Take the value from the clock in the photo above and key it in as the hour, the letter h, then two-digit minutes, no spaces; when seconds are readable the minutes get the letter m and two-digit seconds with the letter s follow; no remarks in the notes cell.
11h30
